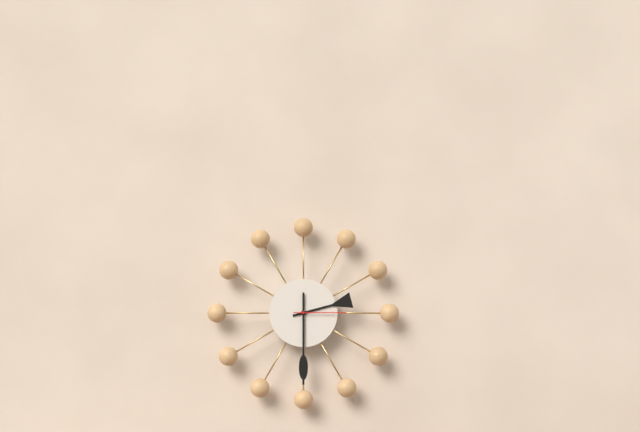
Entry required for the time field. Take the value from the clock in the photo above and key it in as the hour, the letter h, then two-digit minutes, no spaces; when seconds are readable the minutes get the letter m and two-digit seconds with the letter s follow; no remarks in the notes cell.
2h30m15s
